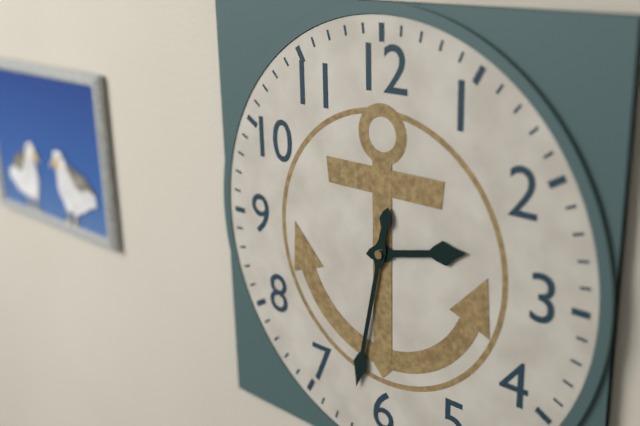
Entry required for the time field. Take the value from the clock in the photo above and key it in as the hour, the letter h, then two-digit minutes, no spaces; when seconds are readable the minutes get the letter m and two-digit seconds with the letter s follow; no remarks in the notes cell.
2h32
